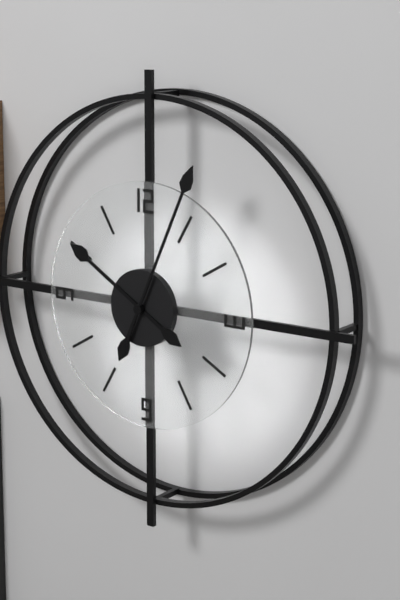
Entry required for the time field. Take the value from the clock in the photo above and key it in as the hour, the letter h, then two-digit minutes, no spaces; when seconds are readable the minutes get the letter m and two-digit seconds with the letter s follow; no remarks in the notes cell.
10h04
